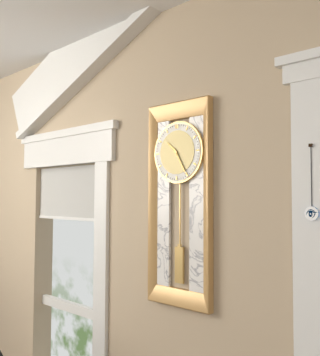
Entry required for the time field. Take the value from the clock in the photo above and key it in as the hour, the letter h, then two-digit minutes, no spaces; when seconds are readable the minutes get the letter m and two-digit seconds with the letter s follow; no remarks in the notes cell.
10h25
